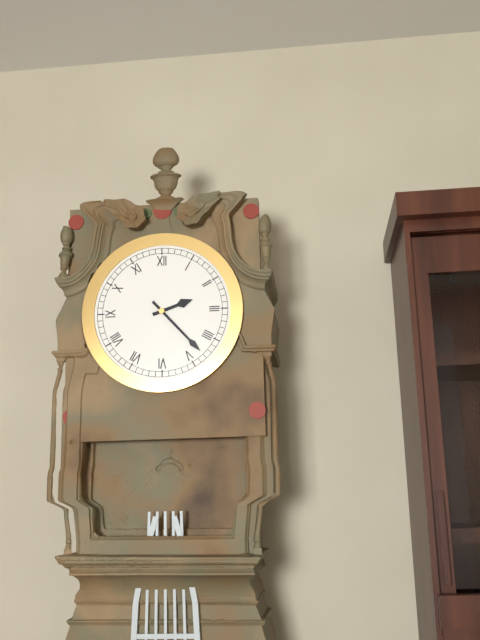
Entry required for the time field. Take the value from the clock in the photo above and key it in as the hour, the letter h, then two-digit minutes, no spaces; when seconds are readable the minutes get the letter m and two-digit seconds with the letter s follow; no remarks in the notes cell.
2h23
